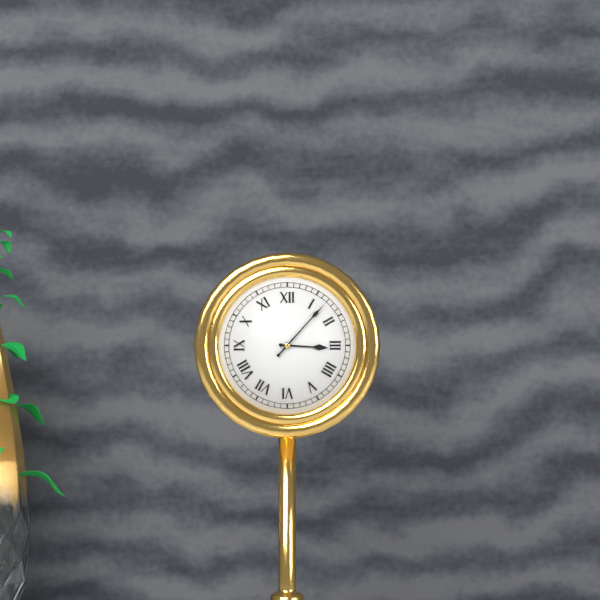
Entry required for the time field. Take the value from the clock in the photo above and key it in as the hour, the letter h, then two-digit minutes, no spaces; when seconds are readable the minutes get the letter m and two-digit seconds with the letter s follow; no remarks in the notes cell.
3h07
